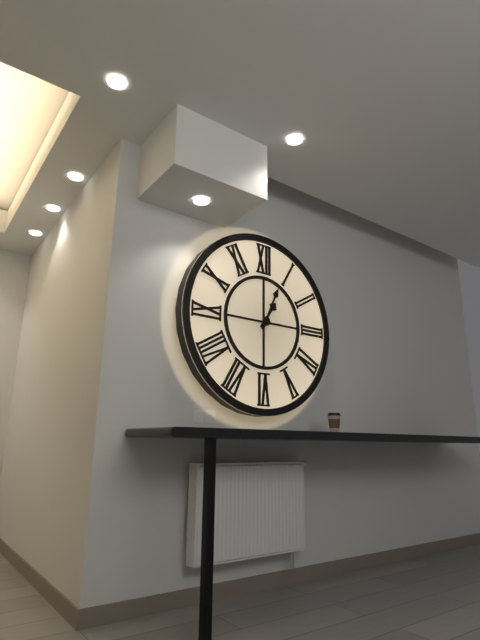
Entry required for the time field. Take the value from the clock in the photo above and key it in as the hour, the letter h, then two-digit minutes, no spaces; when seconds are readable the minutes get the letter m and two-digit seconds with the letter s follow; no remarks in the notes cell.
1h04
